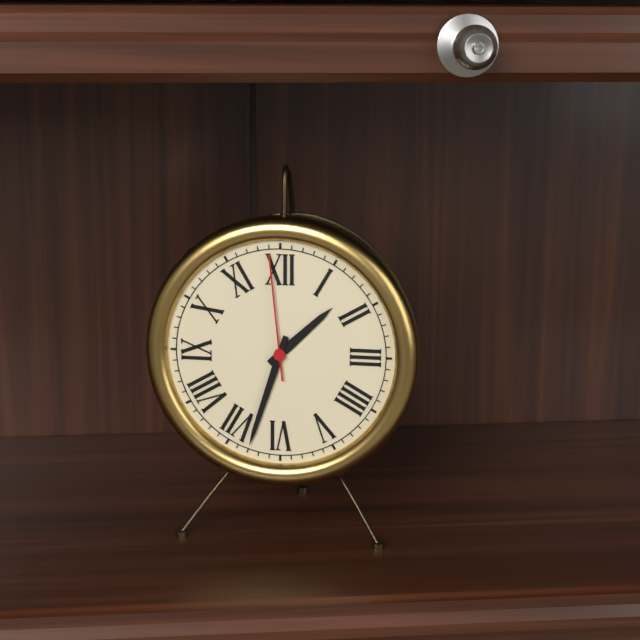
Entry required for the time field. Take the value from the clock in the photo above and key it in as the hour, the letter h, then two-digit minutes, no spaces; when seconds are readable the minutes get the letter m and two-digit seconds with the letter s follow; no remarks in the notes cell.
1h33m59s
